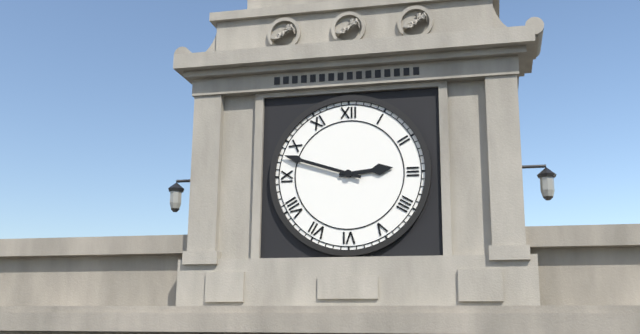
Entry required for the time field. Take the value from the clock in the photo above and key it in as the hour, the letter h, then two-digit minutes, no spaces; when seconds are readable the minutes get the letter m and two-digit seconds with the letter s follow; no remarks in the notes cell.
2h48
